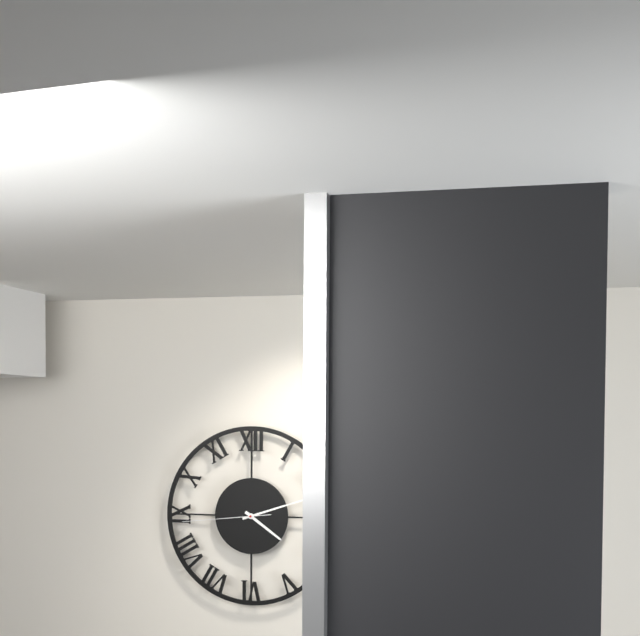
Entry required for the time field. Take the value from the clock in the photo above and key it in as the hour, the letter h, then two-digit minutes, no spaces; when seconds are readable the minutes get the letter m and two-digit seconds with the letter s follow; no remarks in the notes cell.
4h12m44s
